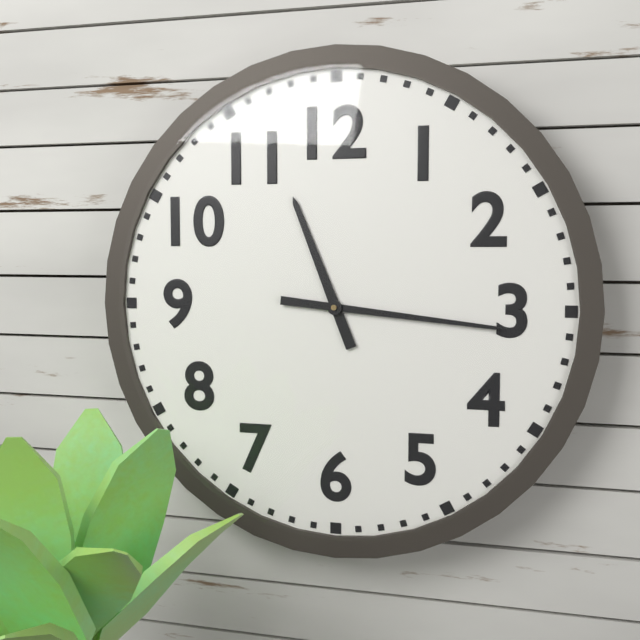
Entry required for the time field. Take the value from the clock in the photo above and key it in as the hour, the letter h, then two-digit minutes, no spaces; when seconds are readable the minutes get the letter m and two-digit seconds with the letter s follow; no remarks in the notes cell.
11h16
